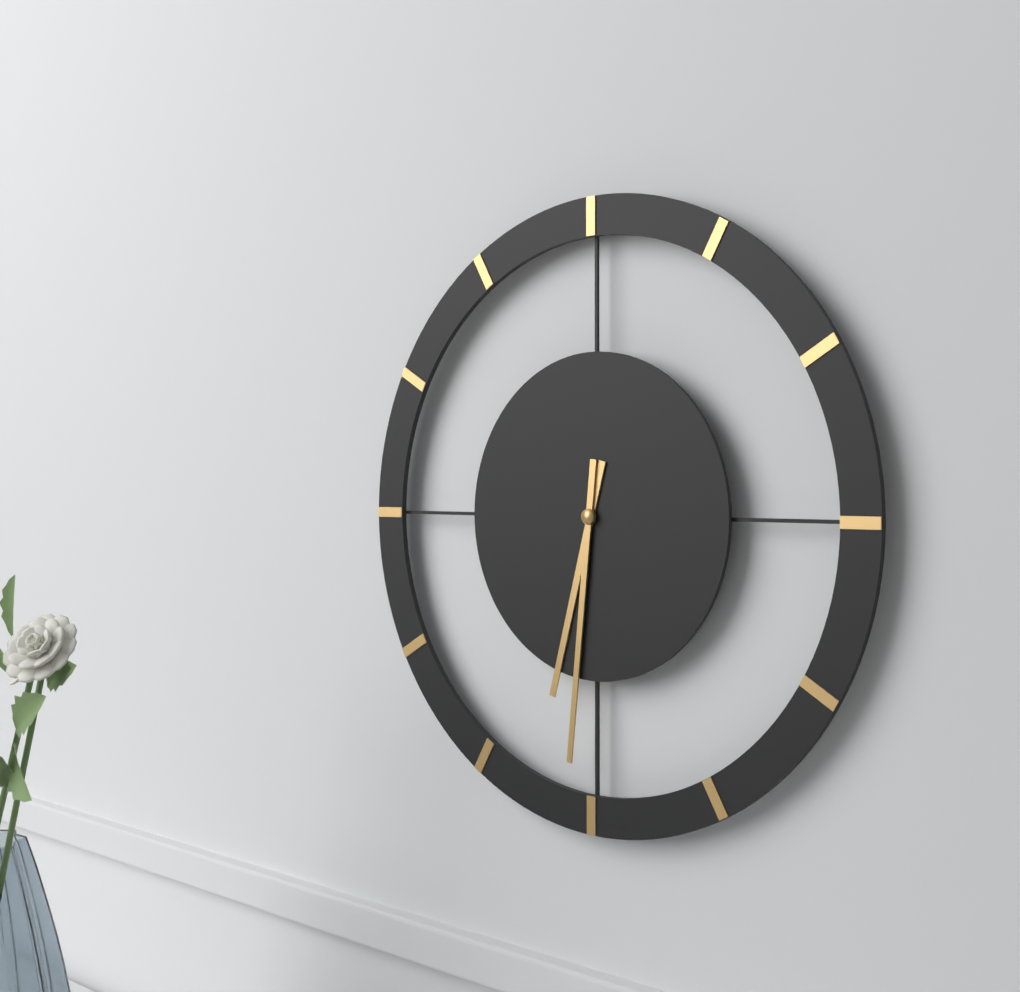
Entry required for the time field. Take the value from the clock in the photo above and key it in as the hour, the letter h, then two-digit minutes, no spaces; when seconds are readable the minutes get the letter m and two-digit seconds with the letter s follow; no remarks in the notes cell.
6h31
